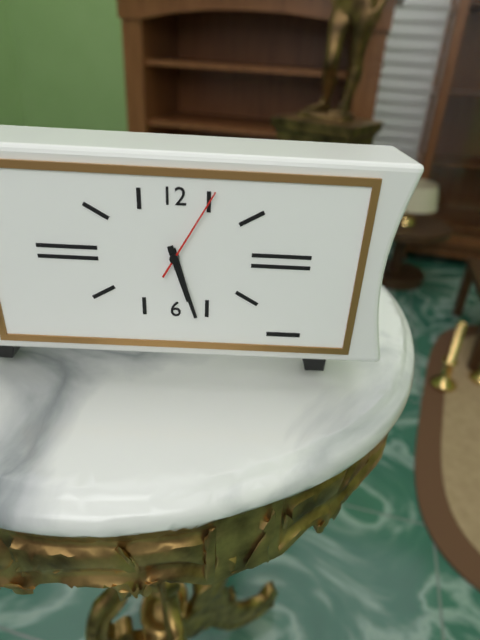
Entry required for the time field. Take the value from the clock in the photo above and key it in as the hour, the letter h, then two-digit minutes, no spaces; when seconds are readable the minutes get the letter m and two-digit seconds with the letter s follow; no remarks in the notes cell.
5h27m05s
